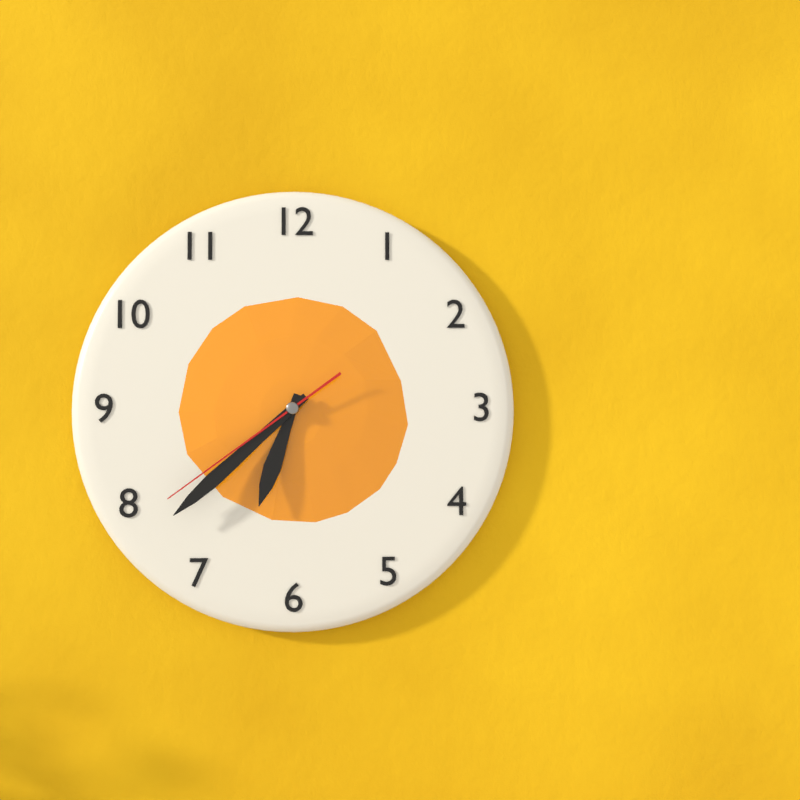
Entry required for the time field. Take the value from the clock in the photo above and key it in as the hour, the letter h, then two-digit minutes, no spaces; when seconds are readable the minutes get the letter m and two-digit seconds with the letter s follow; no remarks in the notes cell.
6h38m39s
